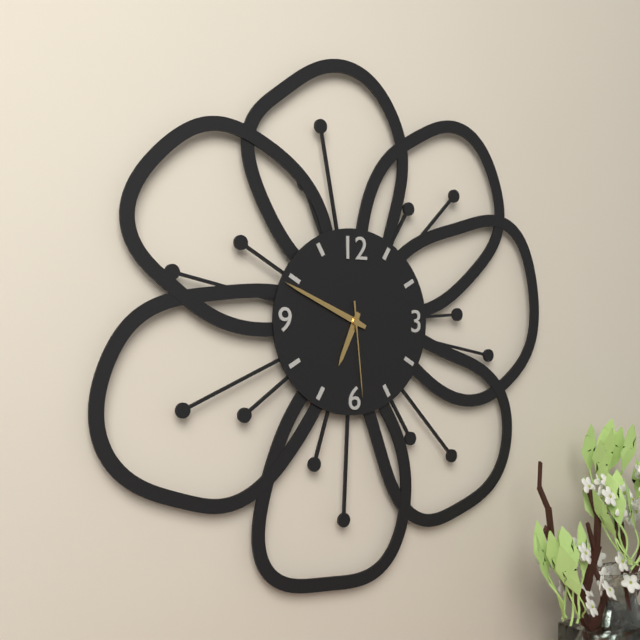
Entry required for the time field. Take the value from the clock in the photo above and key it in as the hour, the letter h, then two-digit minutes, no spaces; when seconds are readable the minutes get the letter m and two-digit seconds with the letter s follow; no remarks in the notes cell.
6h49m29s
